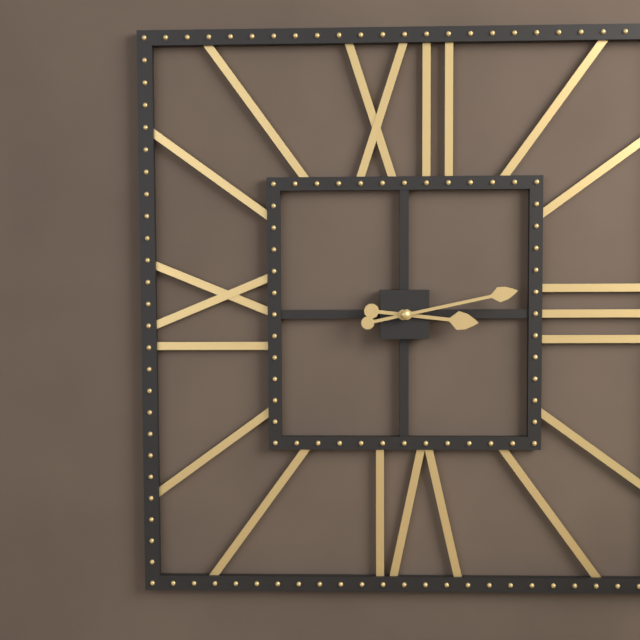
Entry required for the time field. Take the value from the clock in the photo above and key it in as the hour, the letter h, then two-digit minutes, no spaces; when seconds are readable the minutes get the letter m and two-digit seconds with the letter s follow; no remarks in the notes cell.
3h13
